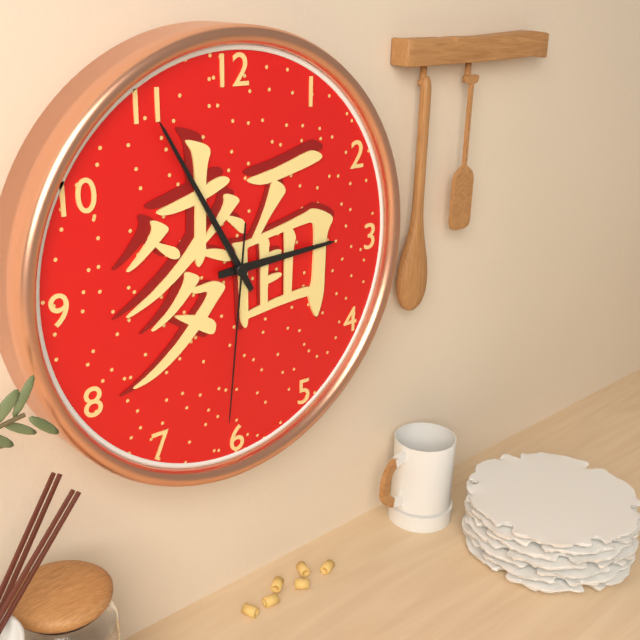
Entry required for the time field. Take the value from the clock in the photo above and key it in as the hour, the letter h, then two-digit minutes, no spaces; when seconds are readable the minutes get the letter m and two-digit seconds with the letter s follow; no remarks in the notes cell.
2h55m31s
